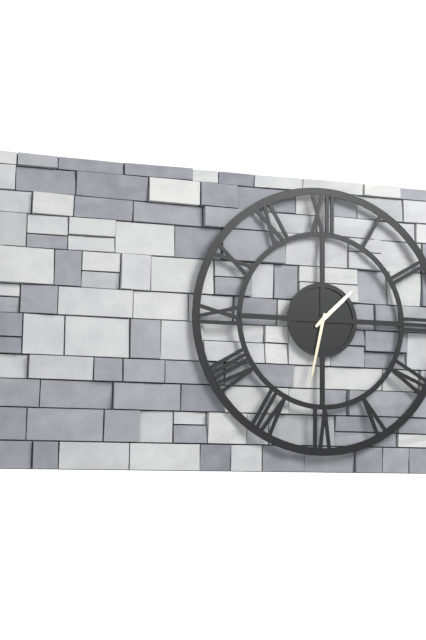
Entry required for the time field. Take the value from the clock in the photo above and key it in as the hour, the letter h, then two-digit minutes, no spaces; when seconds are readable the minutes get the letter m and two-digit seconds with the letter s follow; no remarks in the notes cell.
1h32
